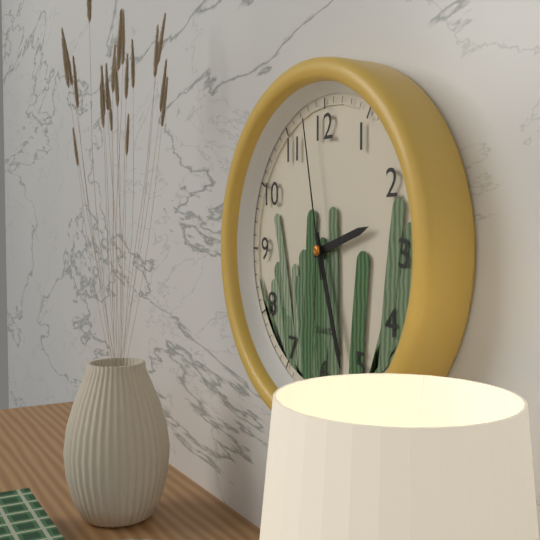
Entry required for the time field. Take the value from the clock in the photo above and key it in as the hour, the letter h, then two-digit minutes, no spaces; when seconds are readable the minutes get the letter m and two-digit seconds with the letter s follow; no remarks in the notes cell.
2h27m58s
